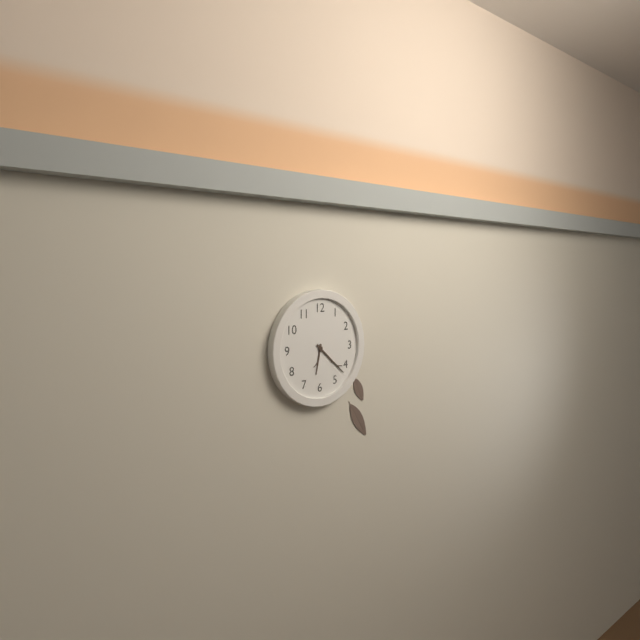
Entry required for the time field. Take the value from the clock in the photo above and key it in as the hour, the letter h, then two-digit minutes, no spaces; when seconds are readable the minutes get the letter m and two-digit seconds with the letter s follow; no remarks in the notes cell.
6h22
